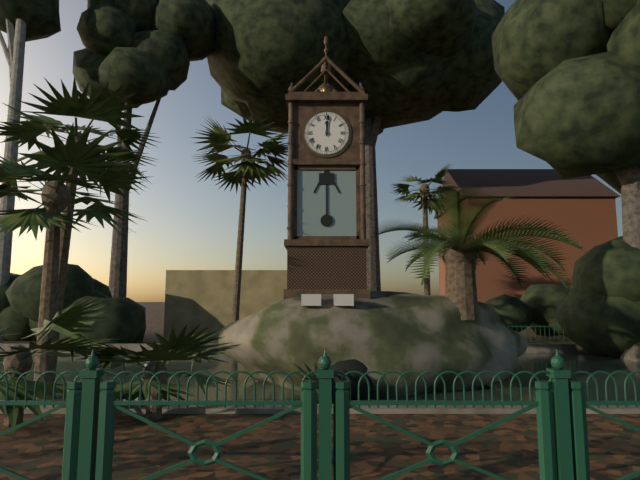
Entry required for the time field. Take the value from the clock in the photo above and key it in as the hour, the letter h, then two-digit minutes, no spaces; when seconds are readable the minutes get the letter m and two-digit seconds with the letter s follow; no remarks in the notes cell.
12h01
